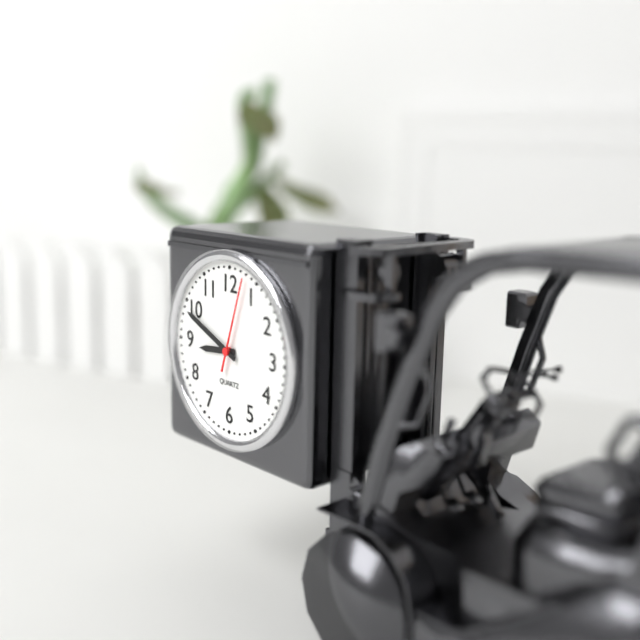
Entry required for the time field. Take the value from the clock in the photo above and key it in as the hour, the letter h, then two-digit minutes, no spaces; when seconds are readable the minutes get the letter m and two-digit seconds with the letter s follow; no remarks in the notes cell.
8h49m03s
